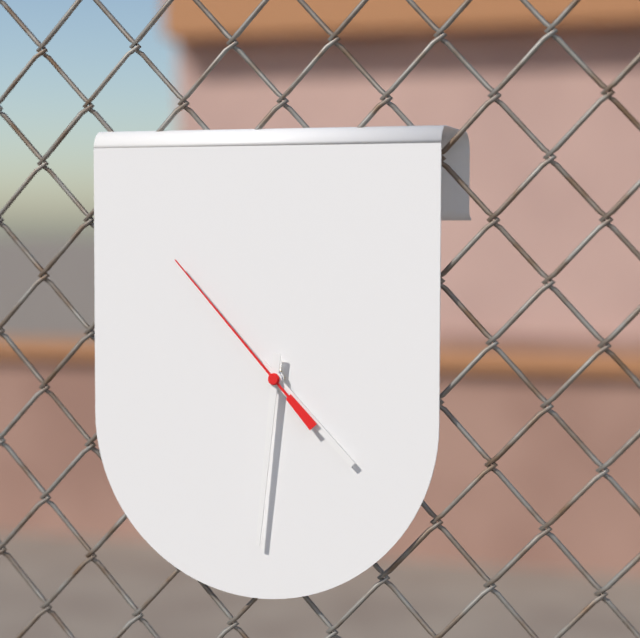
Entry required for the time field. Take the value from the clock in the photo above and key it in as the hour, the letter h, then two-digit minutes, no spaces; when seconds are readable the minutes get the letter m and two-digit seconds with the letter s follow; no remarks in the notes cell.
4h31m53s
